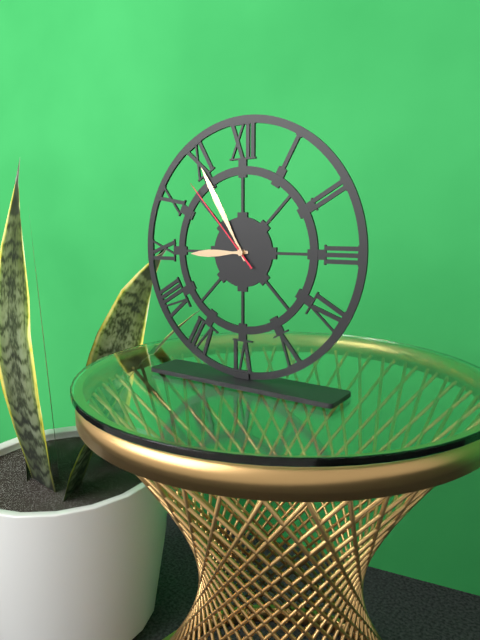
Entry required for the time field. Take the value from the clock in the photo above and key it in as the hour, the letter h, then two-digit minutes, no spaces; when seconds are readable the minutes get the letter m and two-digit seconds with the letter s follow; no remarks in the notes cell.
8h55m53s
